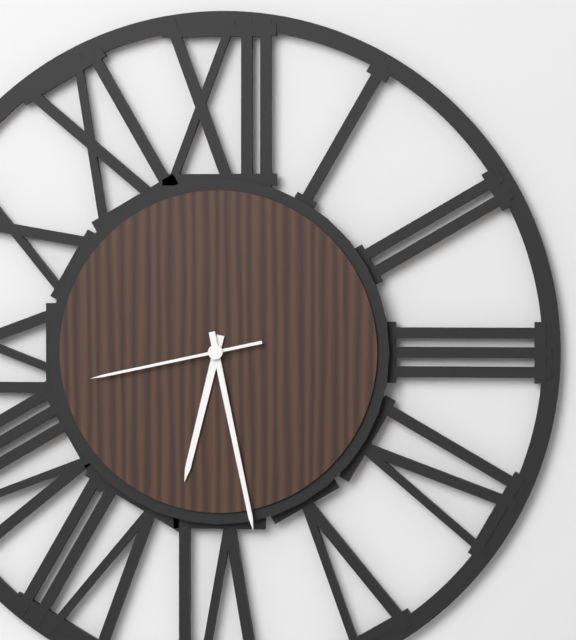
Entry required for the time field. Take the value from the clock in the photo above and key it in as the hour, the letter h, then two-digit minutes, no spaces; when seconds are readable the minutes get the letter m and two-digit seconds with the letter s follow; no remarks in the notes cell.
6h28m43s
